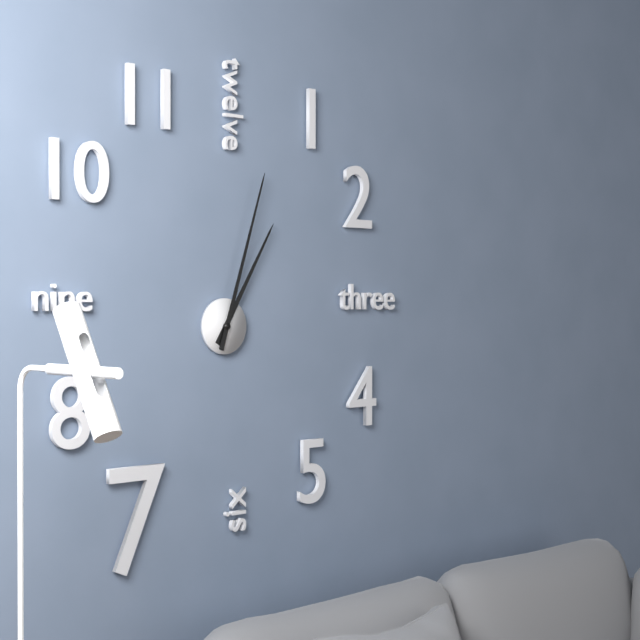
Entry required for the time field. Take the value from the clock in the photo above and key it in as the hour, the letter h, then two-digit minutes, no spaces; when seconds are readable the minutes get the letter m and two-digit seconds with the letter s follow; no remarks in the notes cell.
1h03
